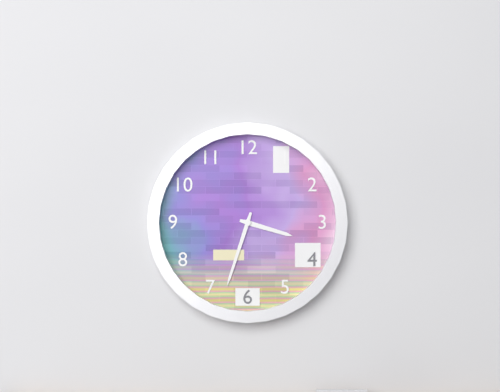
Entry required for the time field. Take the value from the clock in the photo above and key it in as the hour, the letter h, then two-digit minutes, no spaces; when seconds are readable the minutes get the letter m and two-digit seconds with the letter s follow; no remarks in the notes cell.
3h33
